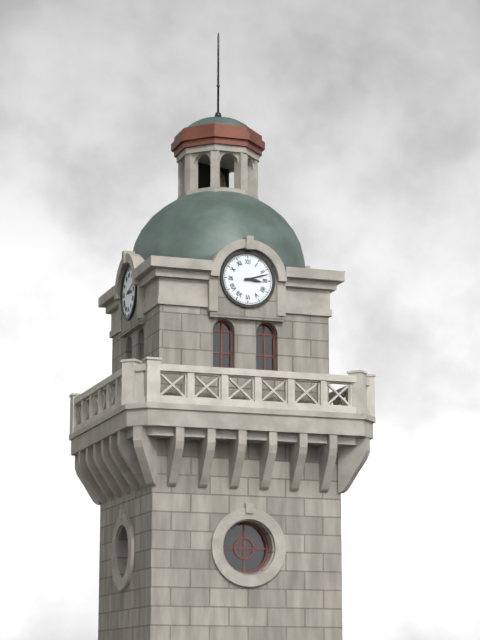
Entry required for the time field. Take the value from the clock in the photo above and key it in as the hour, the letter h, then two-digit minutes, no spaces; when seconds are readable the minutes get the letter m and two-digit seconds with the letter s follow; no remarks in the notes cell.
3h12
